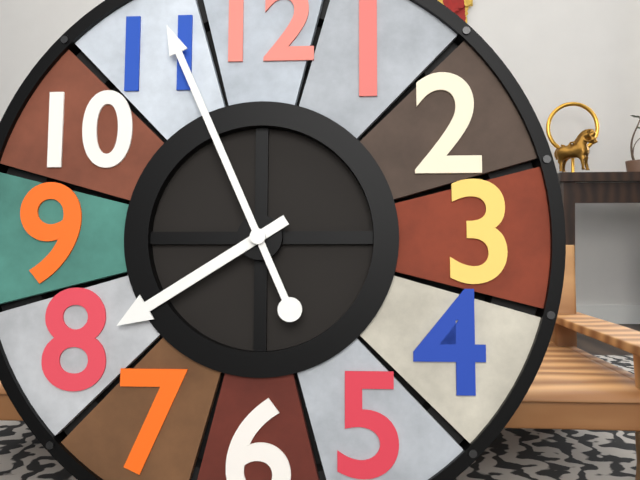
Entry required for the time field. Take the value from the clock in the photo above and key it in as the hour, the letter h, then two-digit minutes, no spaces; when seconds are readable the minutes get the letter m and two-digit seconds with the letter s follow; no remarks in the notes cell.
7h56
